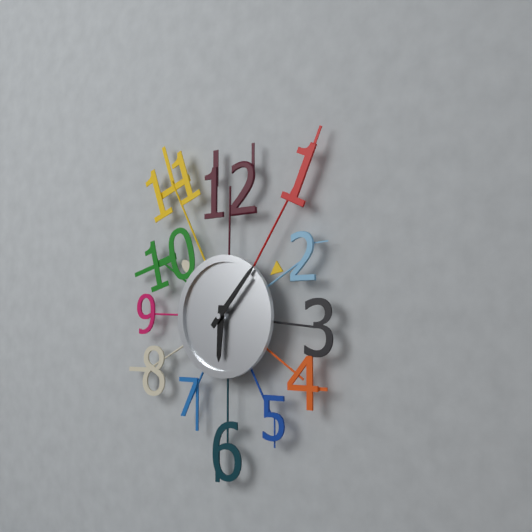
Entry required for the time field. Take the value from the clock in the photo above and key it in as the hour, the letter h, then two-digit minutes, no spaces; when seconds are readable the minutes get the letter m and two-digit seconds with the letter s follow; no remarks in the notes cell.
6h07
